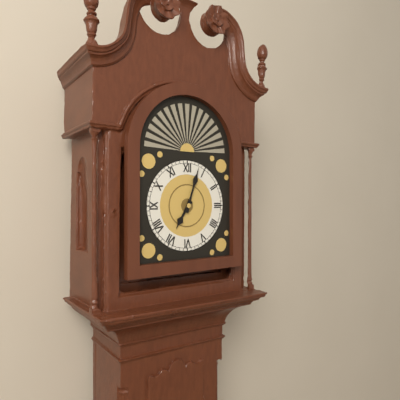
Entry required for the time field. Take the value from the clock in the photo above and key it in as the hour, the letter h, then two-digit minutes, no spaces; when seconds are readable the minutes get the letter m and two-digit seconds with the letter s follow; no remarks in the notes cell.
7h03
